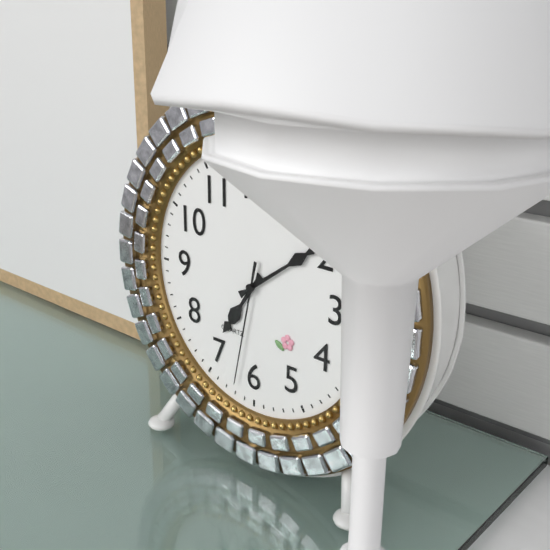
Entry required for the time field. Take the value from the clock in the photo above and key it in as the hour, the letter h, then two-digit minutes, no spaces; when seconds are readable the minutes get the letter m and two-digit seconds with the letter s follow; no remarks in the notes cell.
7h09m32s
